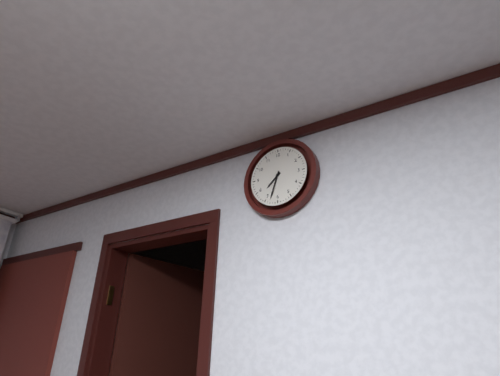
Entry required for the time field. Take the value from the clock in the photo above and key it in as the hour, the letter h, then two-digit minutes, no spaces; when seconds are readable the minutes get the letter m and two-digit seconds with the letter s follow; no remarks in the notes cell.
7h33
